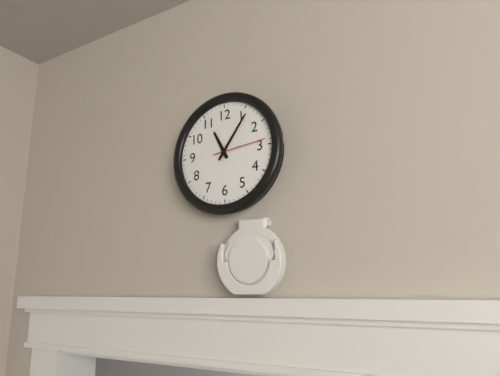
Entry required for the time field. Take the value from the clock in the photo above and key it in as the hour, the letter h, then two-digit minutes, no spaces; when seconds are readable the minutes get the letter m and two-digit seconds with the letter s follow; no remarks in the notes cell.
11h06m14s
